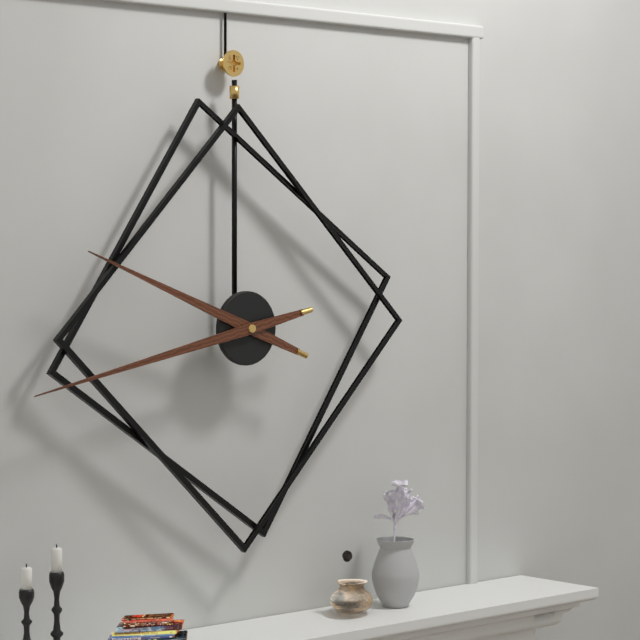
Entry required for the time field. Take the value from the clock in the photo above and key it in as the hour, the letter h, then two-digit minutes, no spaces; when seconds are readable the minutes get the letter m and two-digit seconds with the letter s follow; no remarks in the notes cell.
9h43
